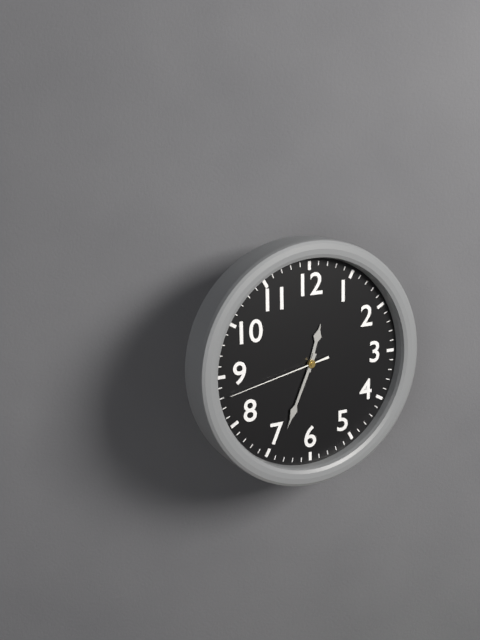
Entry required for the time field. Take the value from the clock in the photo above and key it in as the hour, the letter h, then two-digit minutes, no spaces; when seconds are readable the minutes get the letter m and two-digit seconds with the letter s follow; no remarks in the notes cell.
12h34m43s
